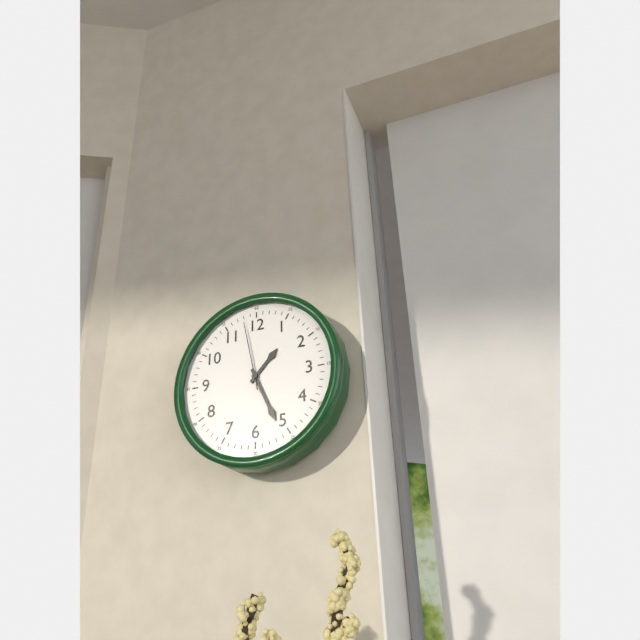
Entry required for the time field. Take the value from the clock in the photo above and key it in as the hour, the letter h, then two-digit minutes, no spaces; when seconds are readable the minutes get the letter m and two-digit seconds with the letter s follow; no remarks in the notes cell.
1h26m58s
